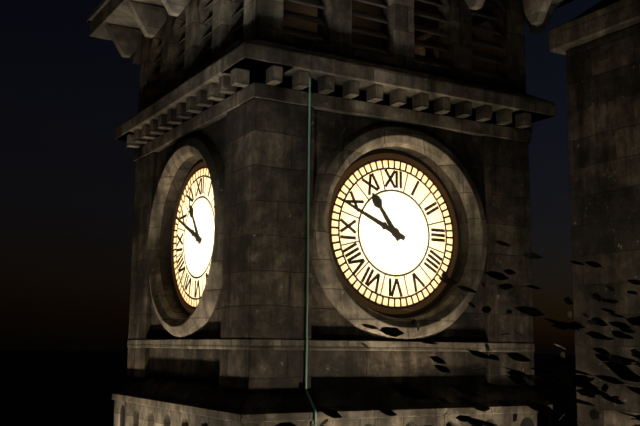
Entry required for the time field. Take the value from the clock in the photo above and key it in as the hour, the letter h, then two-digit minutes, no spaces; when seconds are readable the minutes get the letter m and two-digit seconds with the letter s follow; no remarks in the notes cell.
10h49
